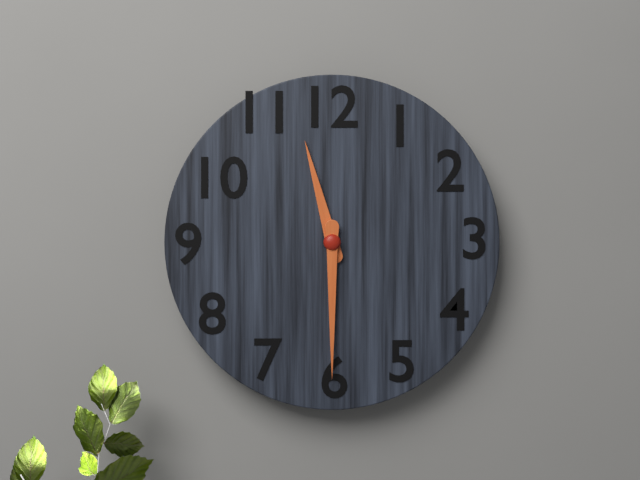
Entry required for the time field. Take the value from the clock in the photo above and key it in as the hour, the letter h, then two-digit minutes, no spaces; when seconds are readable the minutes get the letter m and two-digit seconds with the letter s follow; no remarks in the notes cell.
11h30
